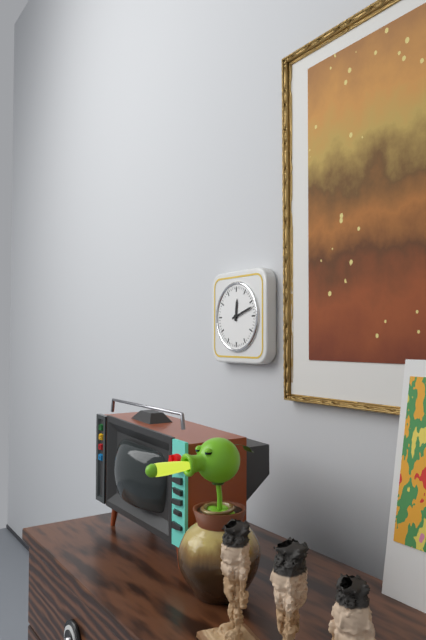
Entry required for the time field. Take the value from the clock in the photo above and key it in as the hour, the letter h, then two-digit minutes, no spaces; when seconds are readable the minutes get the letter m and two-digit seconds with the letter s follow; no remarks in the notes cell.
12h12
